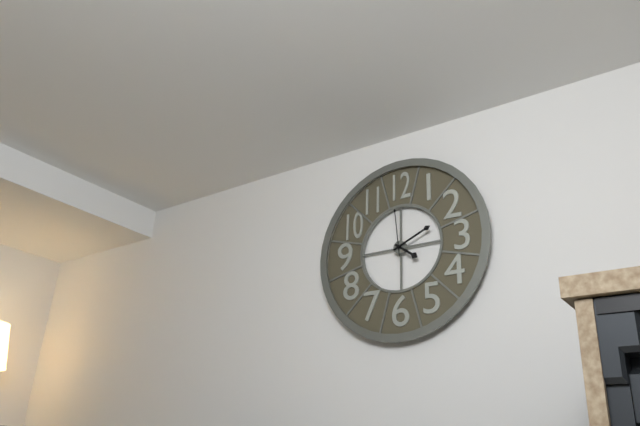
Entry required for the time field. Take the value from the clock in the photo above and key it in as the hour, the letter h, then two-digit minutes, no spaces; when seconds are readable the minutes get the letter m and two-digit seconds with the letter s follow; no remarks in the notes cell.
4h11m59s
